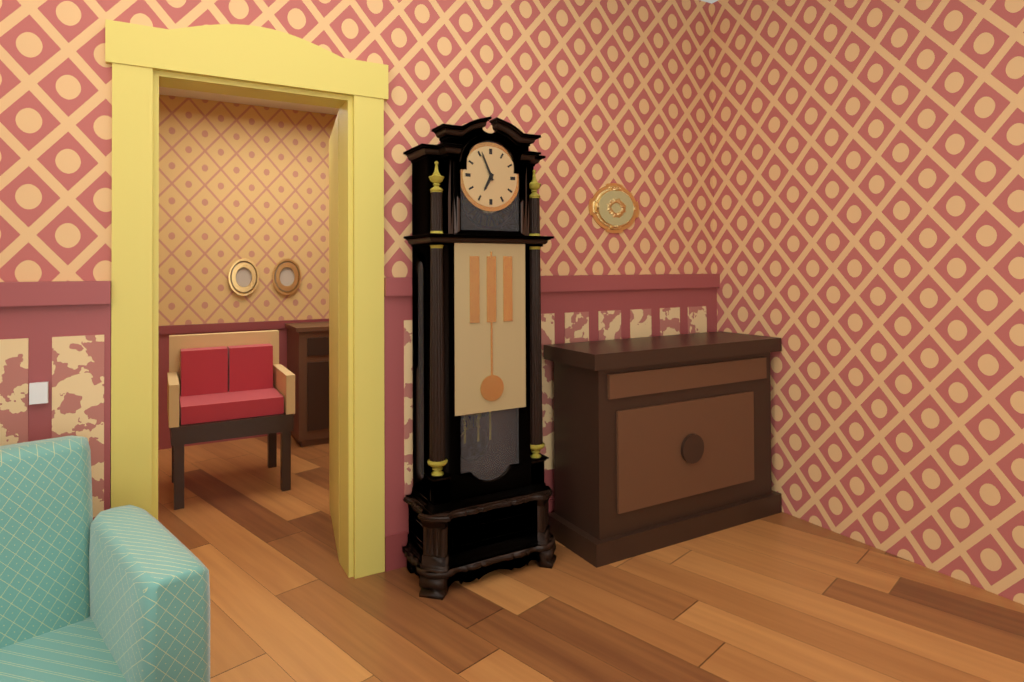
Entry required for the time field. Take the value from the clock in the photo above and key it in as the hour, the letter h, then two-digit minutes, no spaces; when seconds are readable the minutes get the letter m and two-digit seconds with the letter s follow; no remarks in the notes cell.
6h56
